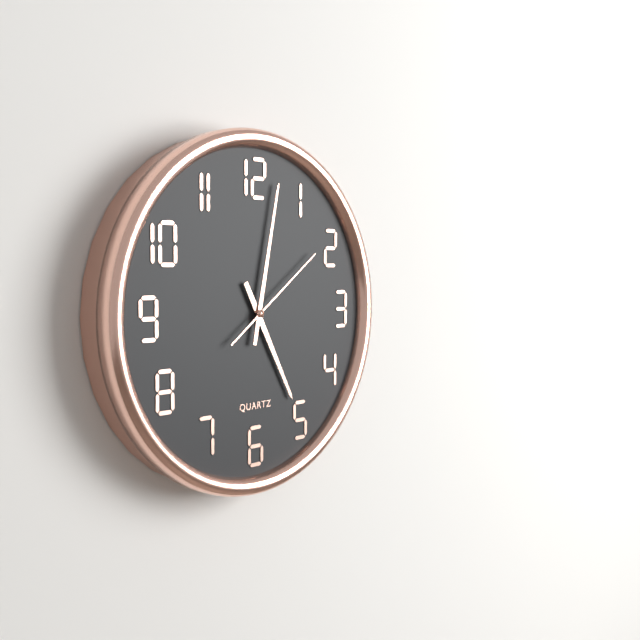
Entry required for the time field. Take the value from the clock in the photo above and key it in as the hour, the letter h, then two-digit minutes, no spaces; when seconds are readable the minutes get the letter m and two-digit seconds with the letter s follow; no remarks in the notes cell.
5h02m09s
